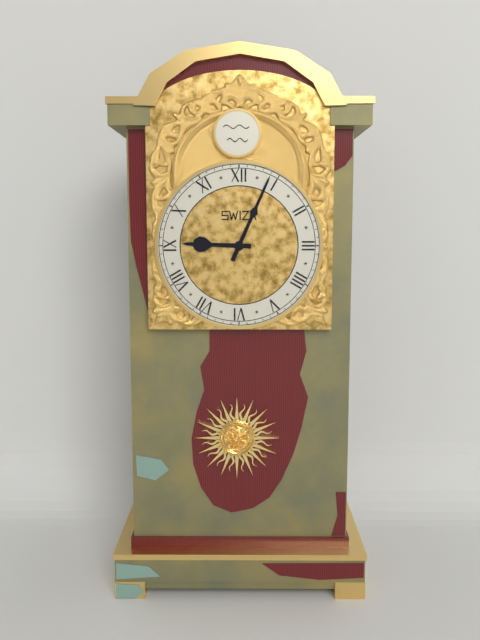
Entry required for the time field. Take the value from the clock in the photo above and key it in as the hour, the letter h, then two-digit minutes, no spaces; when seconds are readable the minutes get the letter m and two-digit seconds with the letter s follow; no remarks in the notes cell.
9h04
